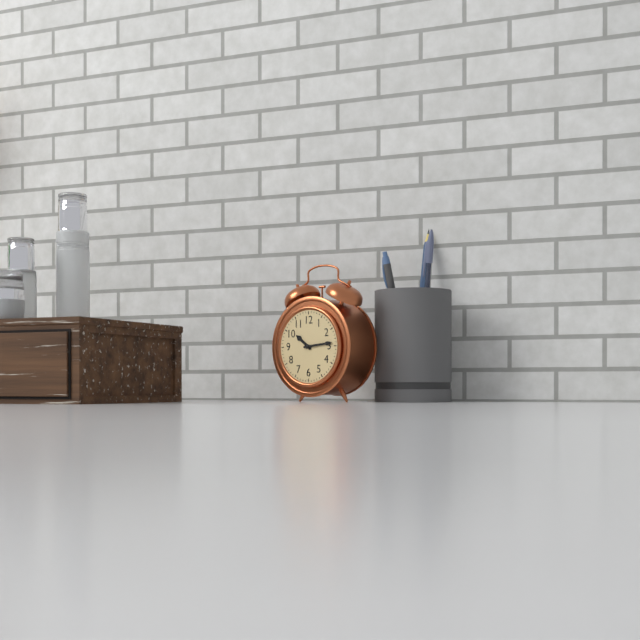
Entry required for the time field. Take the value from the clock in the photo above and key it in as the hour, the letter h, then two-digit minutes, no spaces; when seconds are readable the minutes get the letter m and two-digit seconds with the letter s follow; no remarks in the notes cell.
10h14
